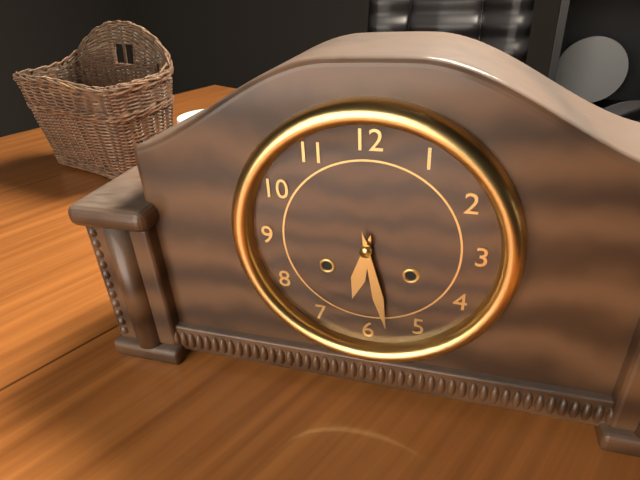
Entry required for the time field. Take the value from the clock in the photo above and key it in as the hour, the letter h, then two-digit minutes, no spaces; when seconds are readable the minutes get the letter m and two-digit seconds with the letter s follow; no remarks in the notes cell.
6h28
